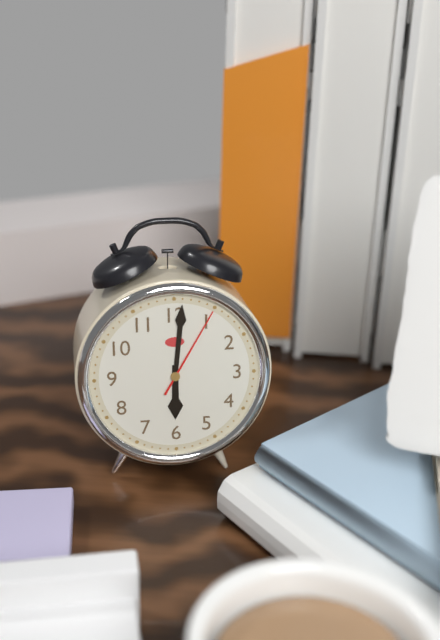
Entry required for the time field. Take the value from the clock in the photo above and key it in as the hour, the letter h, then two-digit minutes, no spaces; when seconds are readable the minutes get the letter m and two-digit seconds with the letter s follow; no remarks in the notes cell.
6h01m05s
